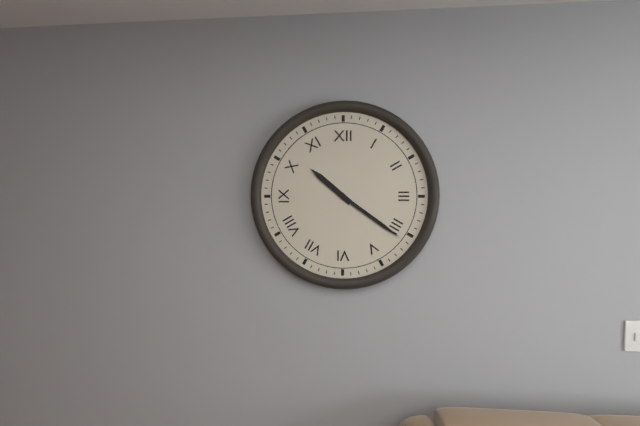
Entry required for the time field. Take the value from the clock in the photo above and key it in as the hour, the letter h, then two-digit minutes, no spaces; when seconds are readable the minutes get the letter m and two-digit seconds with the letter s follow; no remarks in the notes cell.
10h21
